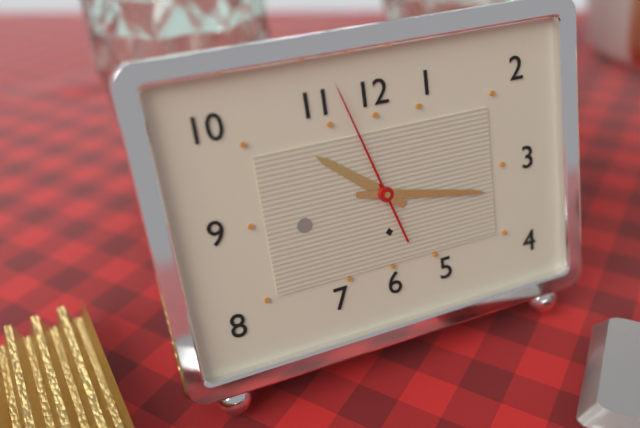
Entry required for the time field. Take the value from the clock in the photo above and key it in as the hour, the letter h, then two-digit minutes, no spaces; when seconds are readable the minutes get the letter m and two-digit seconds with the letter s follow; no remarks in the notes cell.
10h17m57s
